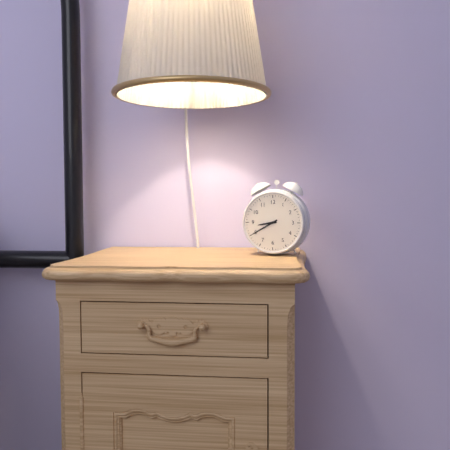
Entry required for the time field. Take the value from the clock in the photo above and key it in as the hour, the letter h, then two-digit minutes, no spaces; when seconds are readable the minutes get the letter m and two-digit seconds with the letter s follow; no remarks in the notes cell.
8h40
